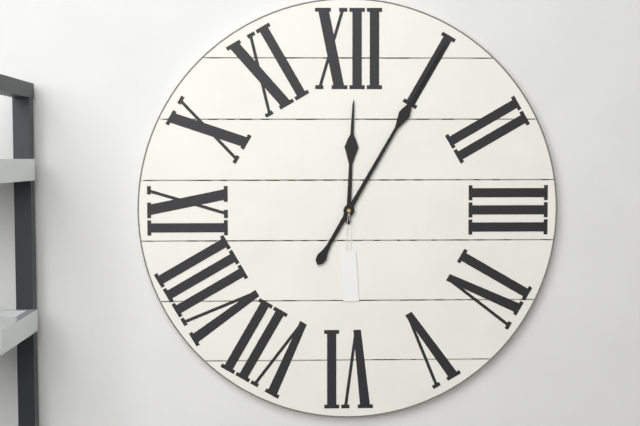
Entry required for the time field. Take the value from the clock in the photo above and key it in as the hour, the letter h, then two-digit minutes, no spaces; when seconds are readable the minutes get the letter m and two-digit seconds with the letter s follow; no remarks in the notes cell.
12h05
